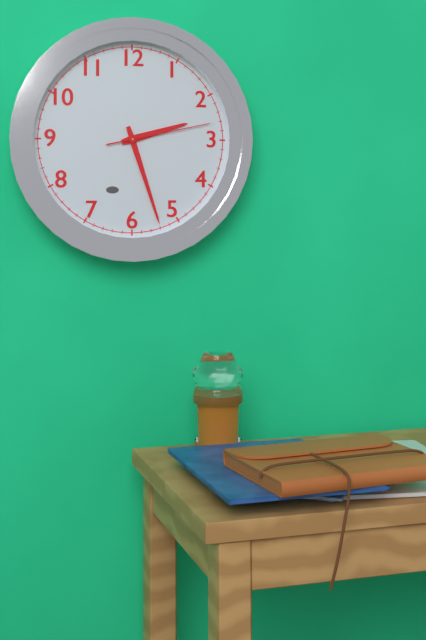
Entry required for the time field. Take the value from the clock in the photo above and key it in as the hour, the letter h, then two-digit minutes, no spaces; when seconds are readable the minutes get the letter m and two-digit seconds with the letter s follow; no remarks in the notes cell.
2h27m13s
